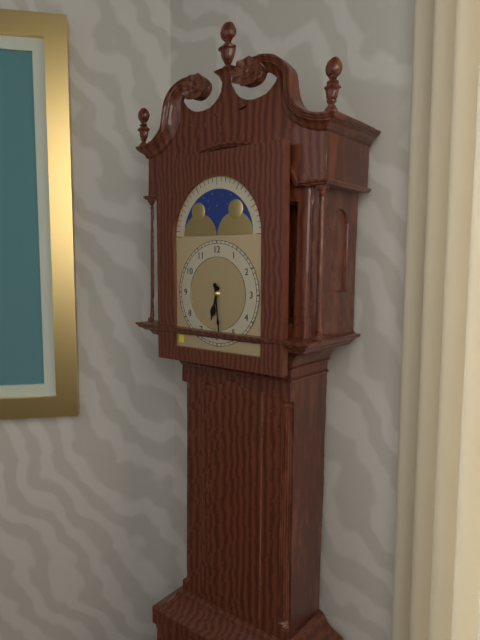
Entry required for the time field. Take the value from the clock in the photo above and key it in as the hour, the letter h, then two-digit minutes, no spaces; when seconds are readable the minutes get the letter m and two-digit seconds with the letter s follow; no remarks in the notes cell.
6h29
